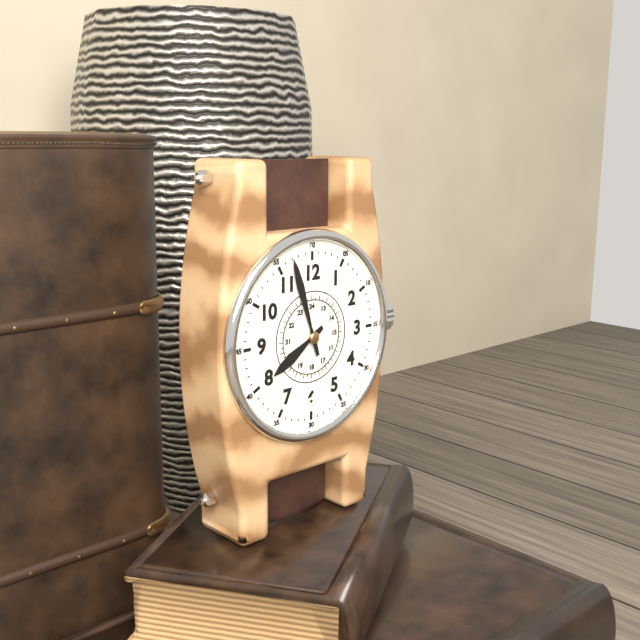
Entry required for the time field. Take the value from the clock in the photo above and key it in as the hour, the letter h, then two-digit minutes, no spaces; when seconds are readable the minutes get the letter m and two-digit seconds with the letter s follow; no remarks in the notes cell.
7h57
